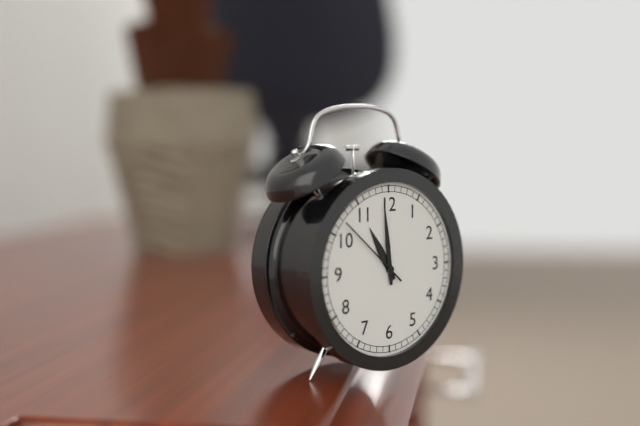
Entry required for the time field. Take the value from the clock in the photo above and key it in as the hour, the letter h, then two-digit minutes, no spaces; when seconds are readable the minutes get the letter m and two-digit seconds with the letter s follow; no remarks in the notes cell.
10h59m52s
